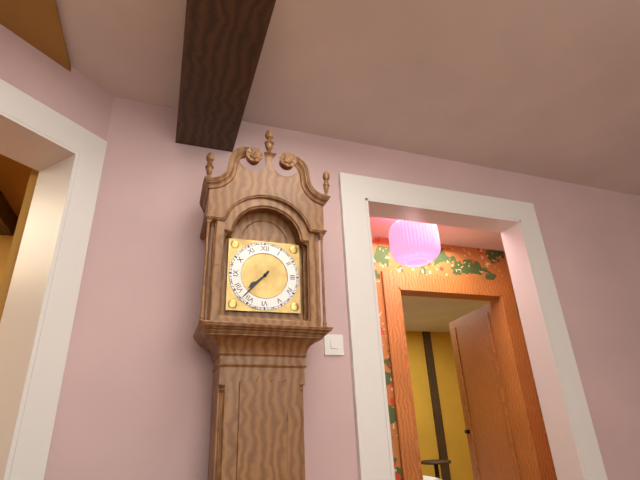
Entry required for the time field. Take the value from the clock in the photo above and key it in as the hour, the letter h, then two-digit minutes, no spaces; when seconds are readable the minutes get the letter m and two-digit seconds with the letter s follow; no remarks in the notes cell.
7h37
